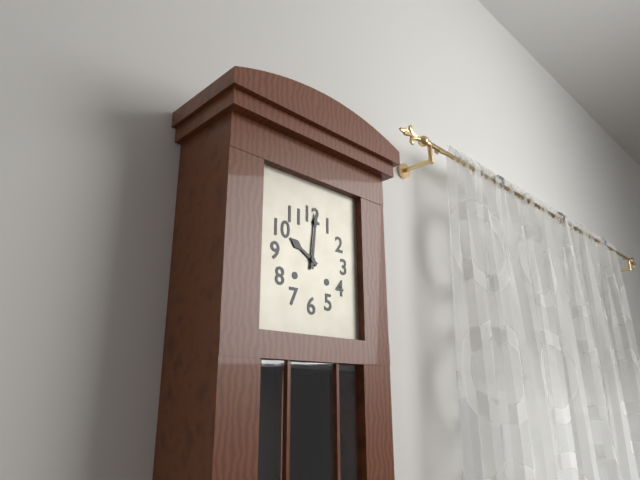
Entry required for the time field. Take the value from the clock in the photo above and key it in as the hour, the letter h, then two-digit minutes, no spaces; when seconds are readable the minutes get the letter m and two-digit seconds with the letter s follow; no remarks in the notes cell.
10h01
